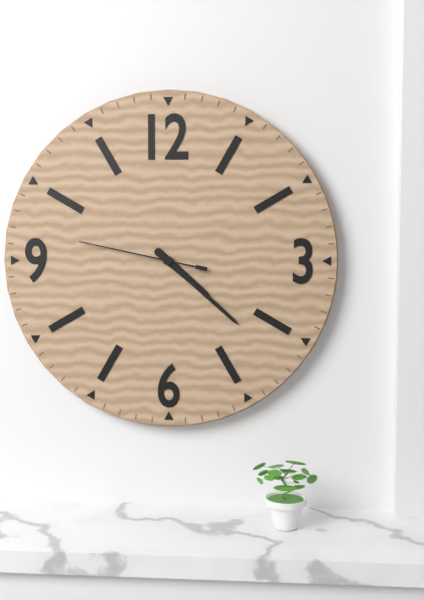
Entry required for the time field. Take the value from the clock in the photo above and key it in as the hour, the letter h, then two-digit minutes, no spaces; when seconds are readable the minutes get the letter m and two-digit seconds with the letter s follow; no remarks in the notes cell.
4h22m47s
